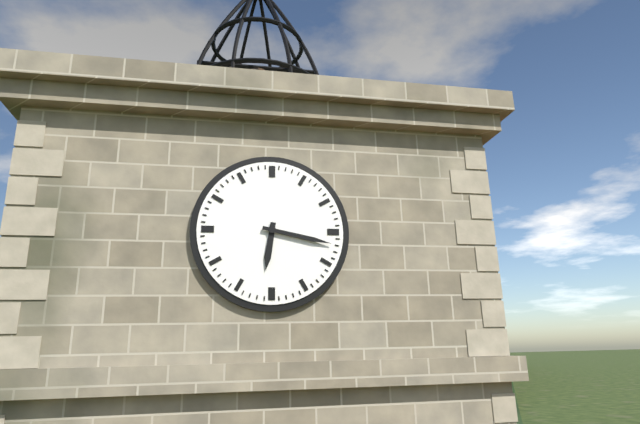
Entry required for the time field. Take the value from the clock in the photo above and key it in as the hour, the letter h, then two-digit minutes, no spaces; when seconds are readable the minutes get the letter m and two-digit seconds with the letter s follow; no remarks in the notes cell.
6h17
